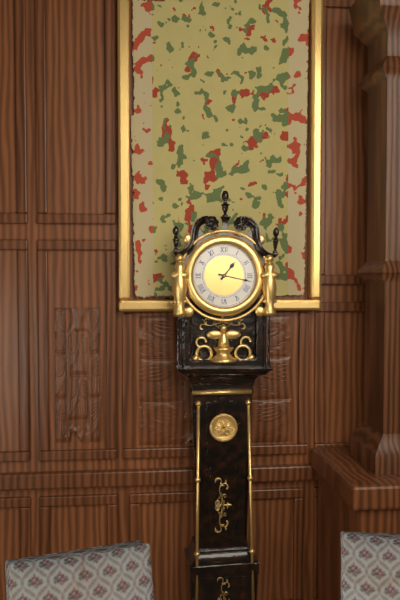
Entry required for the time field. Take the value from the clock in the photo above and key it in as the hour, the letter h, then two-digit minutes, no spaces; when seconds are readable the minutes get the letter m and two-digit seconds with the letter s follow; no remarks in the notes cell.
1h17
